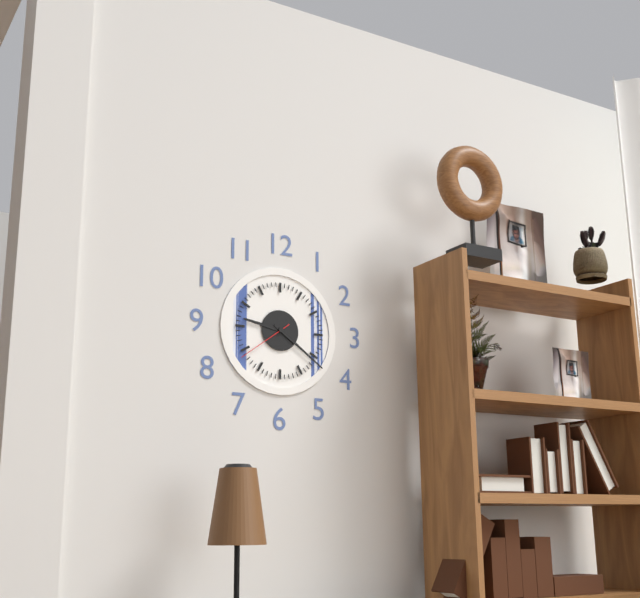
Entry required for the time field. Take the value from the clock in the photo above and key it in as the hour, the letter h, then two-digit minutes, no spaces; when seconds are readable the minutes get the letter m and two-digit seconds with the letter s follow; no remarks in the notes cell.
9h21m39s
